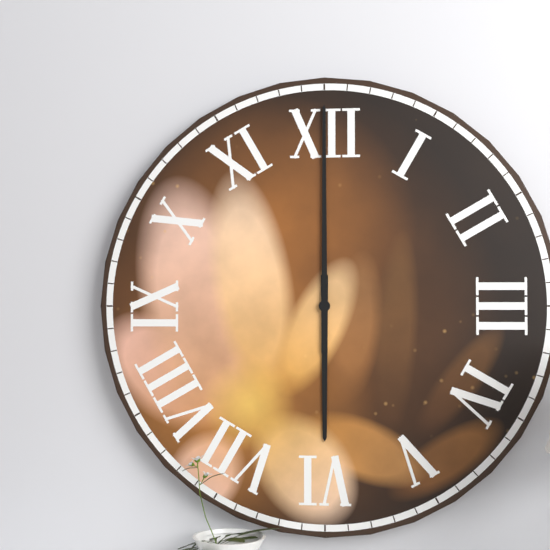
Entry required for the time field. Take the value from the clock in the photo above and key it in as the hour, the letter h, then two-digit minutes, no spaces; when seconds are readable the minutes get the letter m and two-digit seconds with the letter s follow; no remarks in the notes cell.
6h00
